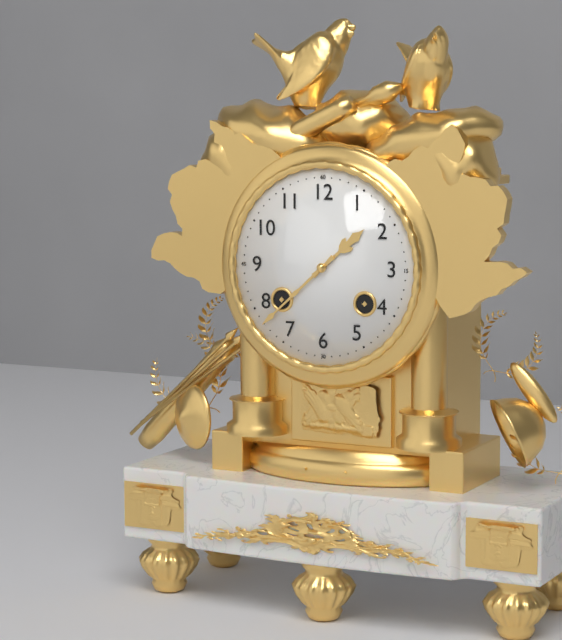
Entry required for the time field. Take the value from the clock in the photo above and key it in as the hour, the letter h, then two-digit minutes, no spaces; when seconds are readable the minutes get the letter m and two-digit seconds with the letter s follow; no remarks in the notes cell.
1h38
